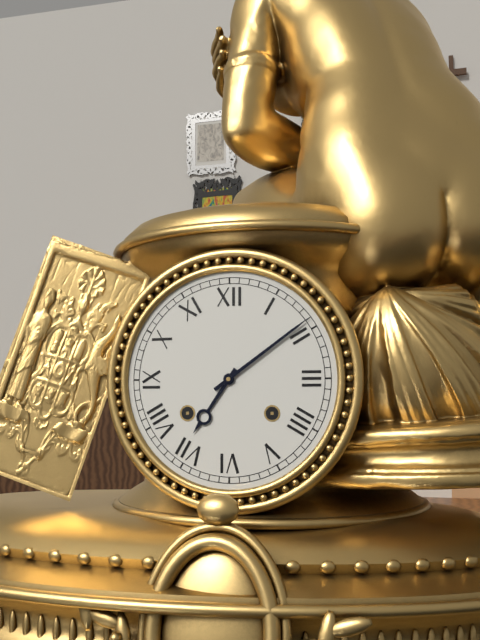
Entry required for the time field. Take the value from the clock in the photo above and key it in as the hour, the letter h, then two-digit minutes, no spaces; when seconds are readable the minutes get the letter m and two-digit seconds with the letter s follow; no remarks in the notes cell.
7h09
